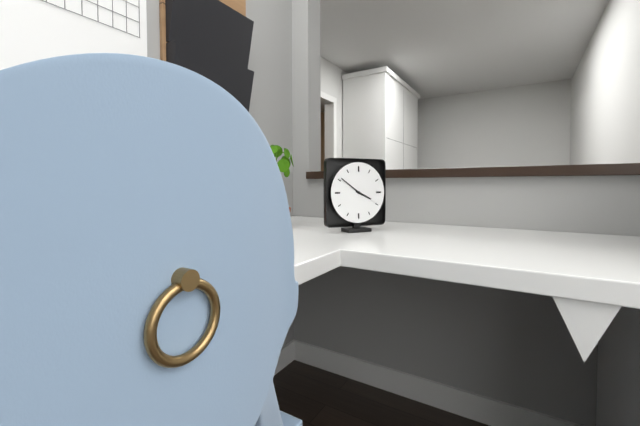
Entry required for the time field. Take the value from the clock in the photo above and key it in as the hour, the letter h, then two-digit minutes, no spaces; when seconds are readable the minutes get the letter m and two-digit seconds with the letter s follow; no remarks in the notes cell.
3h51
